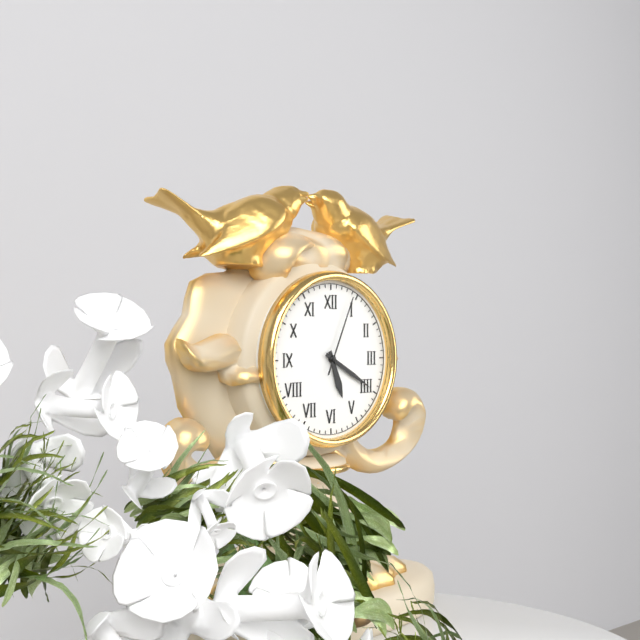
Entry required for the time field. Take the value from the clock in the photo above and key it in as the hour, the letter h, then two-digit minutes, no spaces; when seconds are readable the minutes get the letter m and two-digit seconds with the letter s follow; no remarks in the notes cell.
5h20m04s
